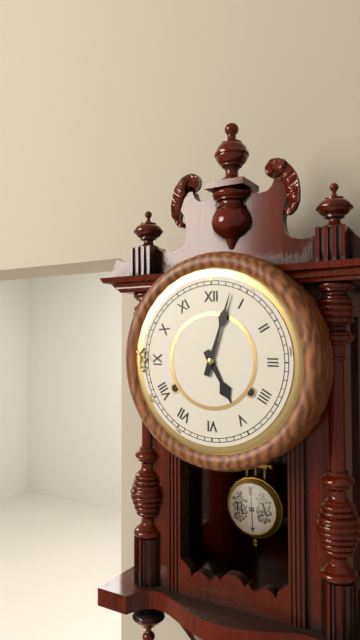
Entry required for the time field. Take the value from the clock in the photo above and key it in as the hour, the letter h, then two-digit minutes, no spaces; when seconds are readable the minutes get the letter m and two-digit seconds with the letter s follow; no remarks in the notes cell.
5h03
